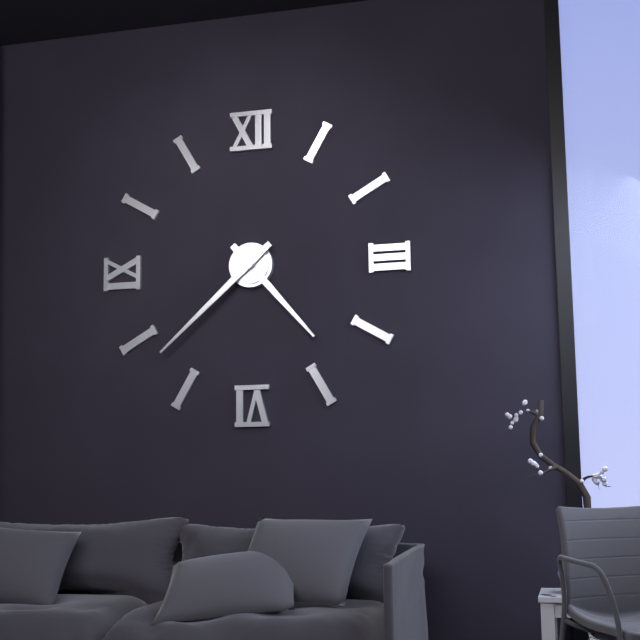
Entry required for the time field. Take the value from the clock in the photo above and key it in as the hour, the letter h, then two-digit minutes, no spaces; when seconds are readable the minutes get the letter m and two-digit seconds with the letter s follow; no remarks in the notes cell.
4h38
